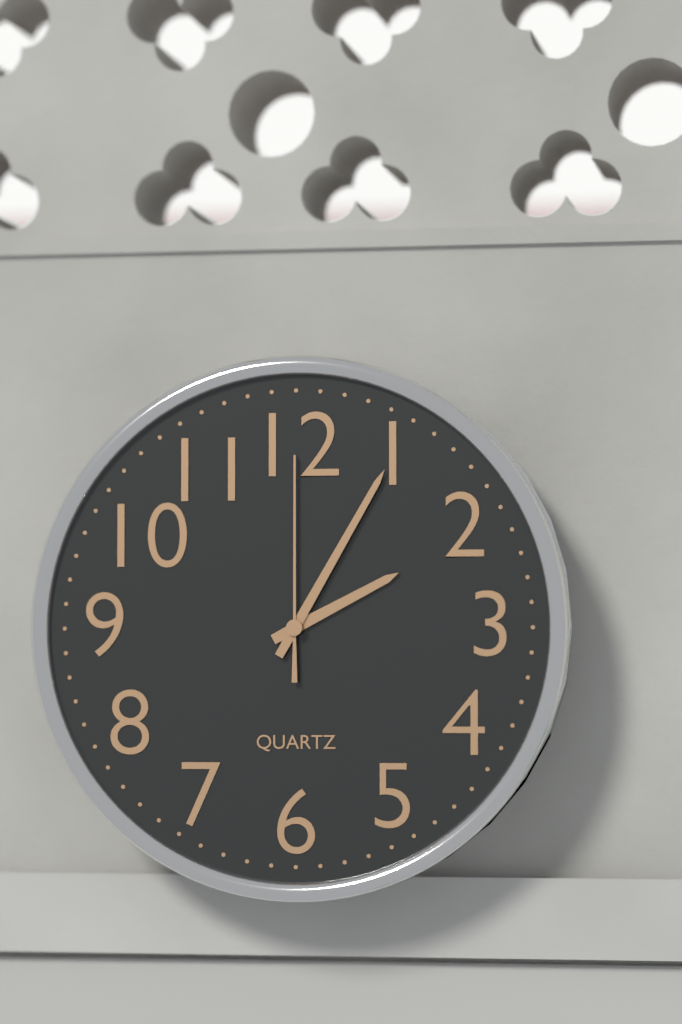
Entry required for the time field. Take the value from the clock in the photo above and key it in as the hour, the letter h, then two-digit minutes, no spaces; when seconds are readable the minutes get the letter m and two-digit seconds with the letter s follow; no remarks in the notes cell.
2h05m00s
